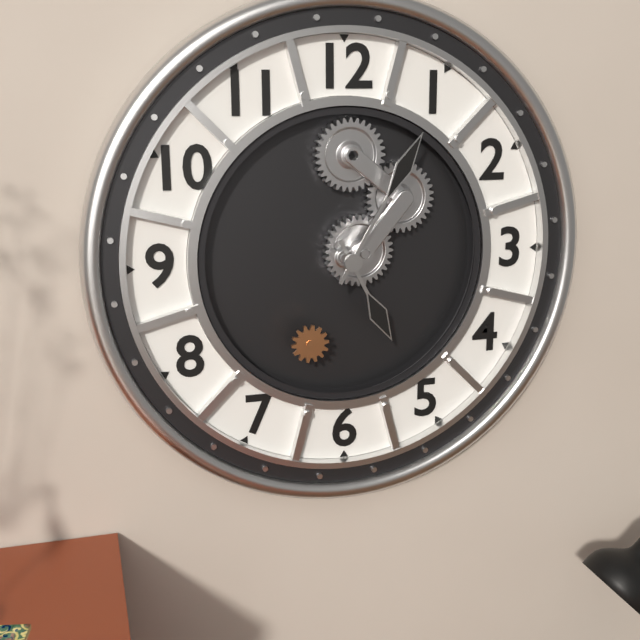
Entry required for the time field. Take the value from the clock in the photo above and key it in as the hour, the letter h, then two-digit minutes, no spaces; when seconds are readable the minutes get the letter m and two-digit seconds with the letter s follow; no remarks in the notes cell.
5h05
